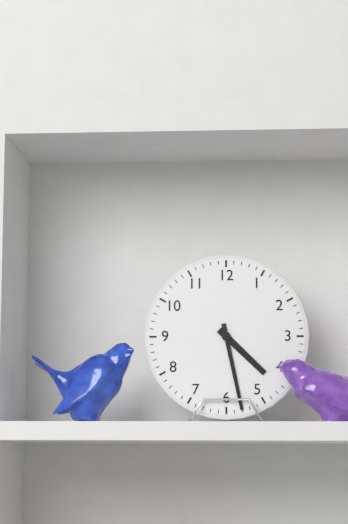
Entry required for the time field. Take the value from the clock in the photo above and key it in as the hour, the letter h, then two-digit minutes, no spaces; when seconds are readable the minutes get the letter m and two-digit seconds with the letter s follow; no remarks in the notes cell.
4h28
